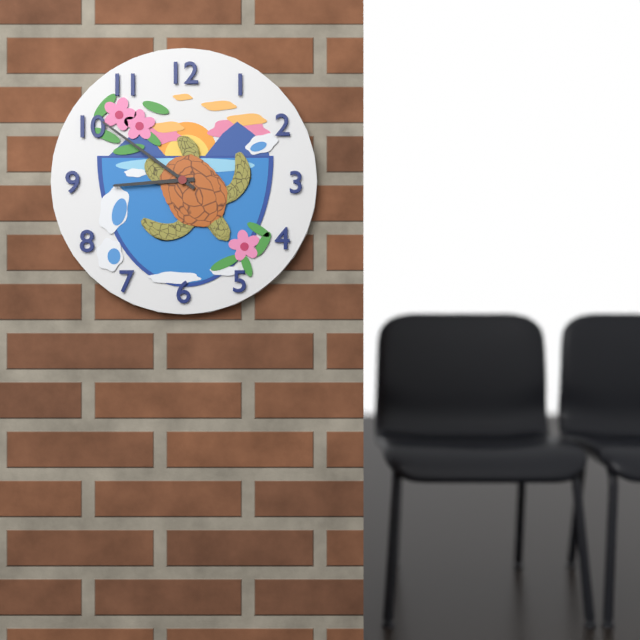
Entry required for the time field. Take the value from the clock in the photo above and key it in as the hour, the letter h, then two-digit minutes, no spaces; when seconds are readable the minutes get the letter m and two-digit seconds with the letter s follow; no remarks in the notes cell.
8h51
